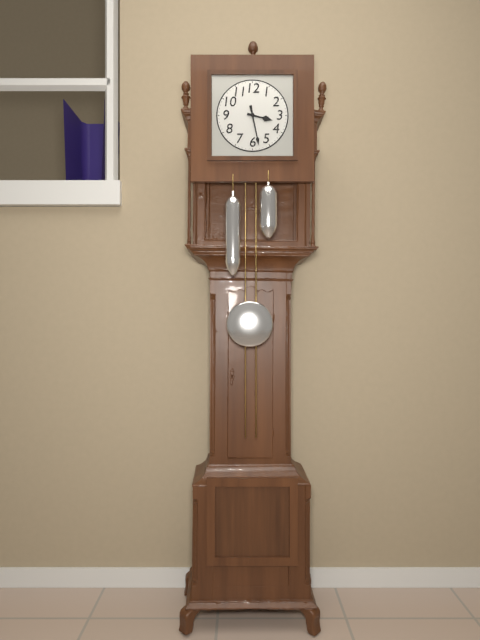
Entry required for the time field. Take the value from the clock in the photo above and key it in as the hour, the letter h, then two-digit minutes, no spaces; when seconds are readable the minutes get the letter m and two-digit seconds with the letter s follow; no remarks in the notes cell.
3h28
